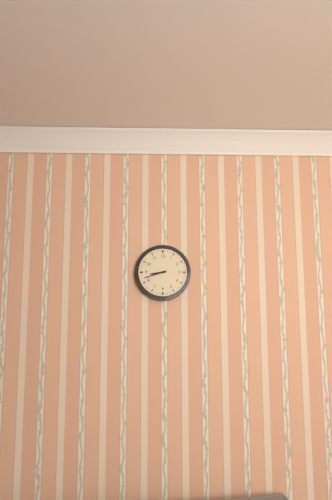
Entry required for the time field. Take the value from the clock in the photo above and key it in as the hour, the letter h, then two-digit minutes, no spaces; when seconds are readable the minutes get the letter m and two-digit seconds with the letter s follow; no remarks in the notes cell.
8h42
